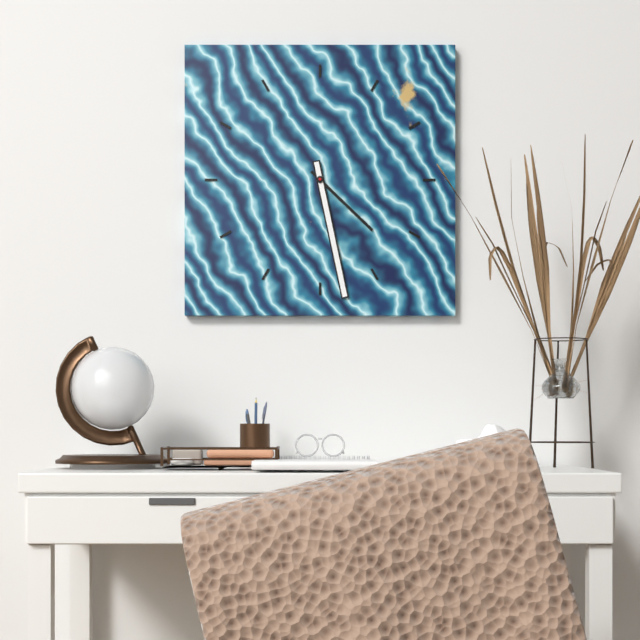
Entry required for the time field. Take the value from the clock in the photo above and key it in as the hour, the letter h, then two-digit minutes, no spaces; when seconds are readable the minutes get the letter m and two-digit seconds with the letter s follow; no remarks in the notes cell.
4h28
